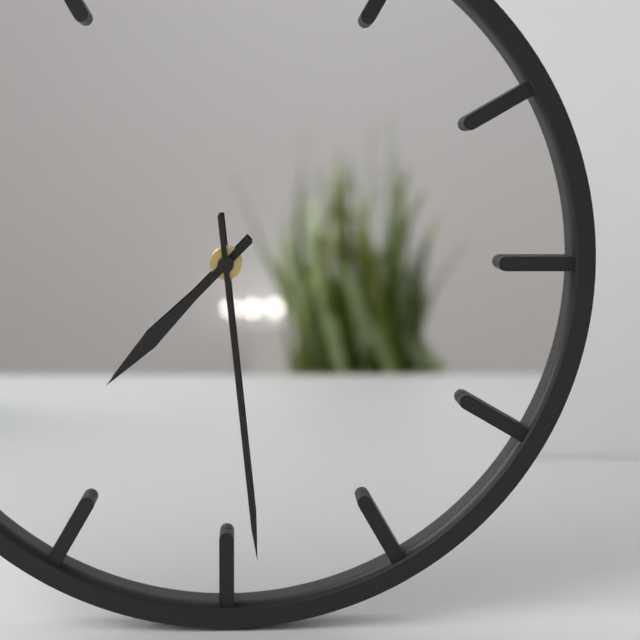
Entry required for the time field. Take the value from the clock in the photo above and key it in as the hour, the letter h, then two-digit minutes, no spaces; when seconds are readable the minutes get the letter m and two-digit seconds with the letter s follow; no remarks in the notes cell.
7h29
